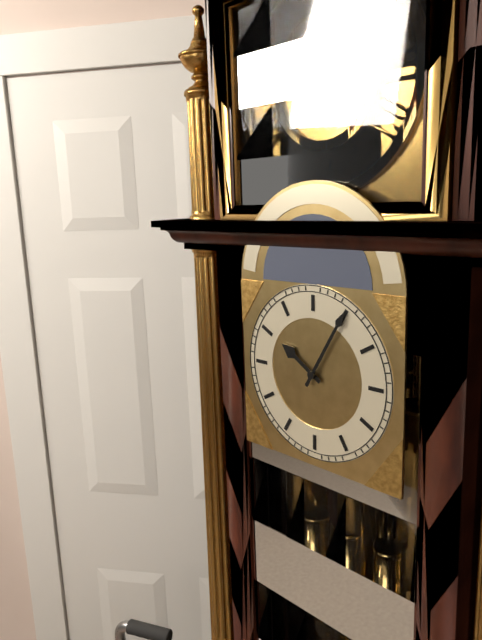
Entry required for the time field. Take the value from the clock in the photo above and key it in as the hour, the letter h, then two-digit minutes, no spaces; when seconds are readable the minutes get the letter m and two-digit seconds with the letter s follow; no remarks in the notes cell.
10h05
